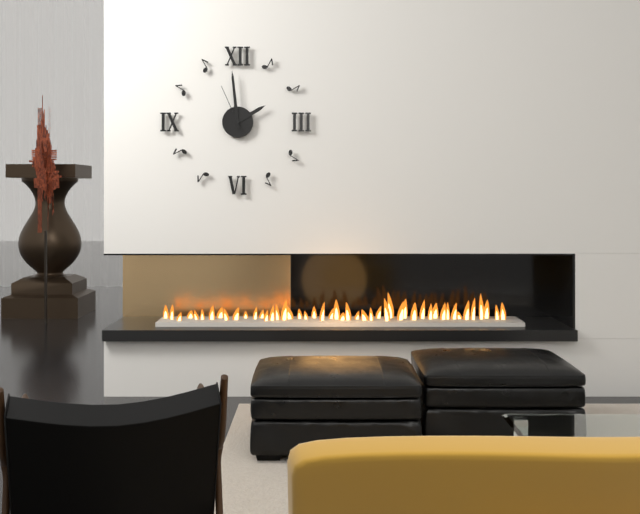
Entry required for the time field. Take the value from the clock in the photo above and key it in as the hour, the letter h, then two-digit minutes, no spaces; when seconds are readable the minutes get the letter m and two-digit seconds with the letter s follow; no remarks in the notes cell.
1h59m56s
